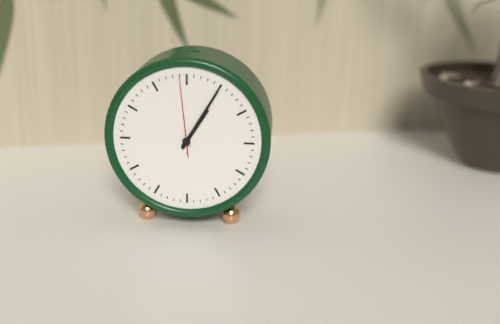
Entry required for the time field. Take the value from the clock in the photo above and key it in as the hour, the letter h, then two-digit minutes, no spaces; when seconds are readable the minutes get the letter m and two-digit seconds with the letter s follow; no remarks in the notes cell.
1h05m59s
